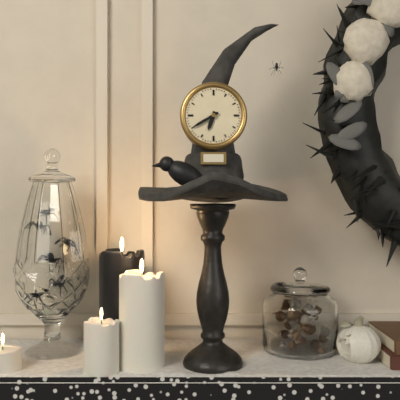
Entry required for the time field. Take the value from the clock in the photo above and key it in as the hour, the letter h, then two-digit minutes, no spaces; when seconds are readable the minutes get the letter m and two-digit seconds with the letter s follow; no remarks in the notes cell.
6h40
